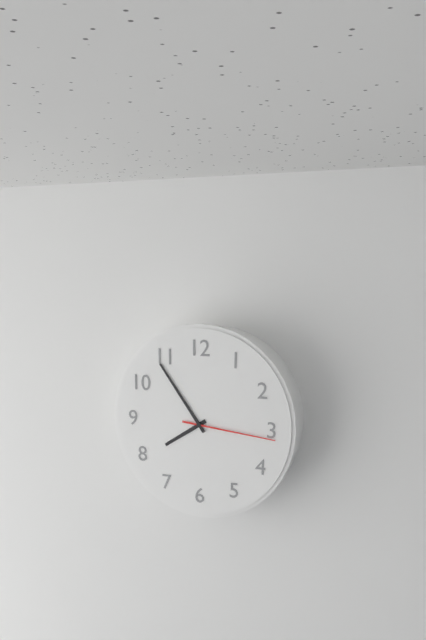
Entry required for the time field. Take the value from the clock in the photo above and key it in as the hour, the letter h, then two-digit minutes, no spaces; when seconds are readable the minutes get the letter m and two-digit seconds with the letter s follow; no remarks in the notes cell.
7h54m16s
